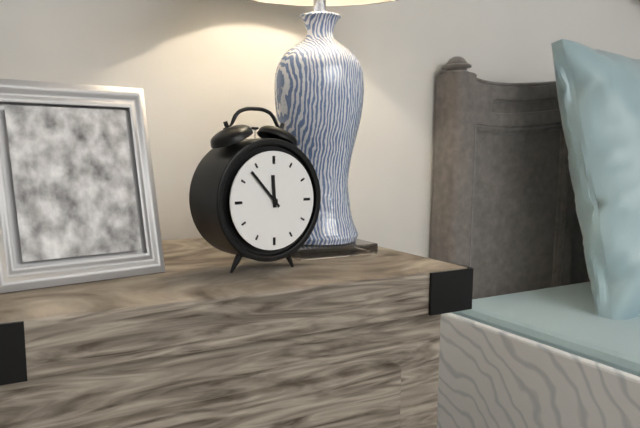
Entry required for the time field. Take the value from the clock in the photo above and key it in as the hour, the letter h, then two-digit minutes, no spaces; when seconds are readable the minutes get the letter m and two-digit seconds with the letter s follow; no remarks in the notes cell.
11h53
